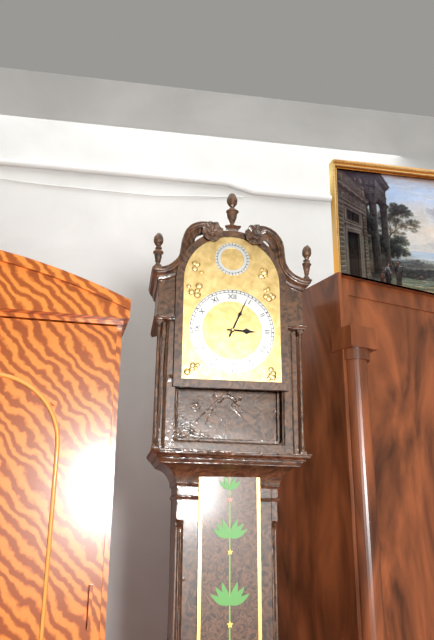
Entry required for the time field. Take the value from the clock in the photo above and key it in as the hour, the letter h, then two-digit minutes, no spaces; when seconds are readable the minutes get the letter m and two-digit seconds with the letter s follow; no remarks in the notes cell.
3h04
